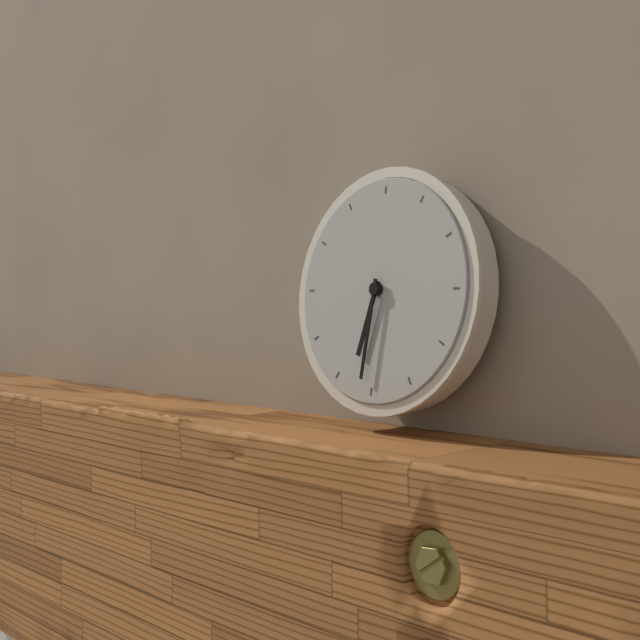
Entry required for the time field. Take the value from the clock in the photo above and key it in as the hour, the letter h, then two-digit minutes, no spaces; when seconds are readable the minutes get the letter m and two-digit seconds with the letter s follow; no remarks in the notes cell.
6h31
